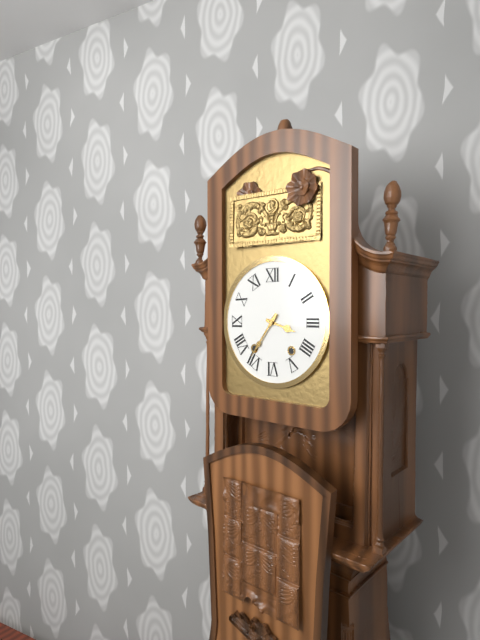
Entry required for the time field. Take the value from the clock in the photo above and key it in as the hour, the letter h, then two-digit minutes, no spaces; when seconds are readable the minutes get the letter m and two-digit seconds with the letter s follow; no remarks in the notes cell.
3h36
